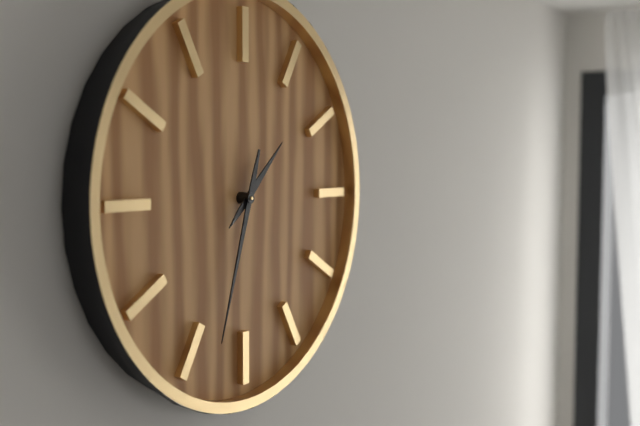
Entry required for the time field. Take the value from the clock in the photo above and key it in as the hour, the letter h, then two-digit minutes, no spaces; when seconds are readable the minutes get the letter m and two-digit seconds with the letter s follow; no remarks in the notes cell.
1h33
